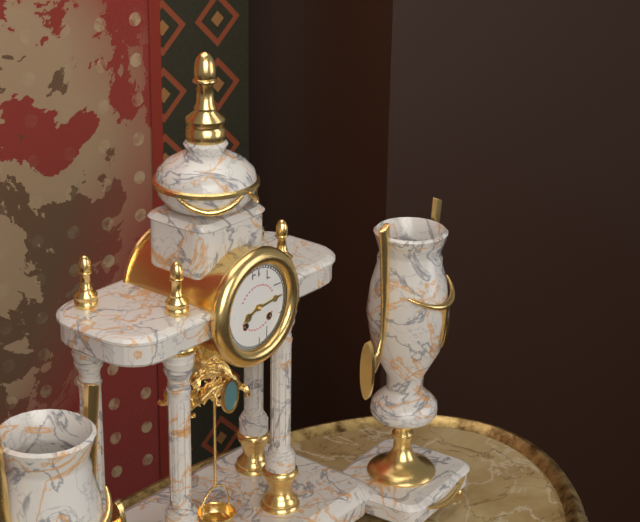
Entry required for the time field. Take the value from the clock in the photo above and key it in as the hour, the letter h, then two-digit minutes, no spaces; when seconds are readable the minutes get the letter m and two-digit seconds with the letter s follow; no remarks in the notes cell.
8h14
